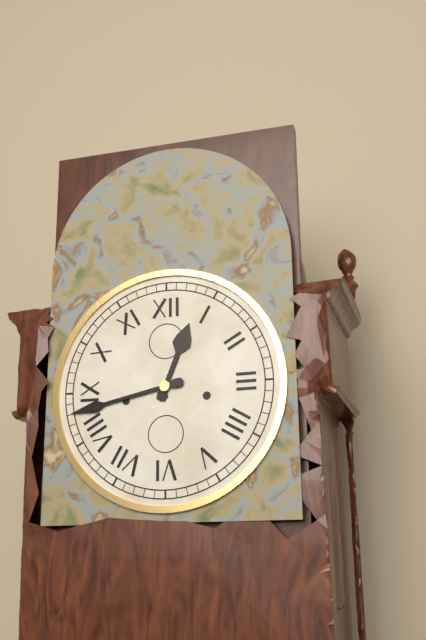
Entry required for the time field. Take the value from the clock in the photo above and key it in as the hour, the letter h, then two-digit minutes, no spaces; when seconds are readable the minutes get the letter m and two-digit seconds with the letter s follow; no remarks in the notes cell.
12h43
